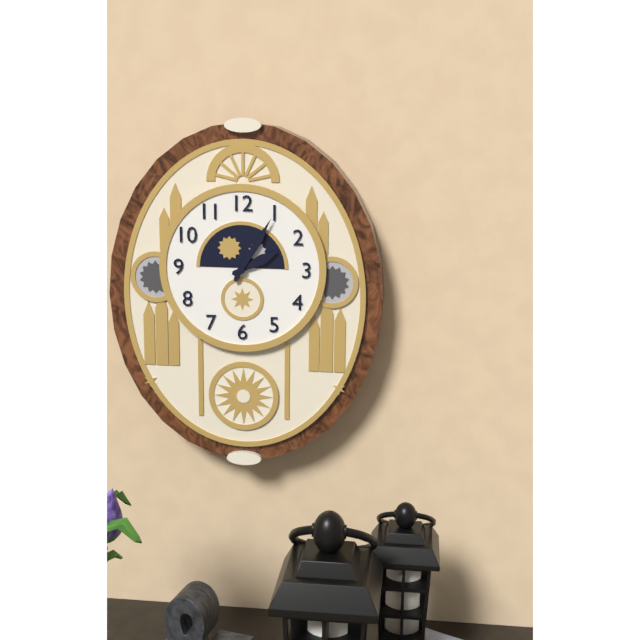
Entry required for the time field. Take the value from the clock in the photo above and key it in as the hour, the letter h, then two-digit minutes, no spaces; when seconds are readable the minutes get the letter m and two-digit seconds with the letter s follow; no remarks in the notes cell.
2h05
